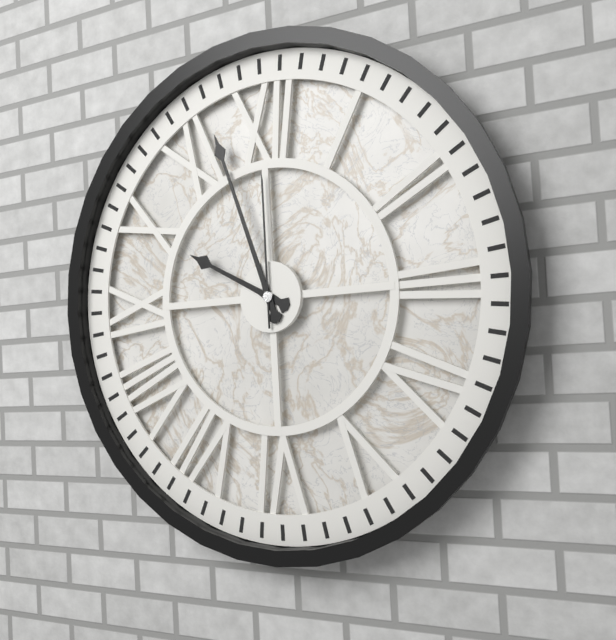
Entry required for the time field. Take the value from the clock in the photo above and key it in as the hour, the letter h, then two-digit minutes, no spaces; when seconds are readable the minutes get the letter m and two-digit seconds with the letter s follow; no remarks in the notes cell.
9h57m00s
